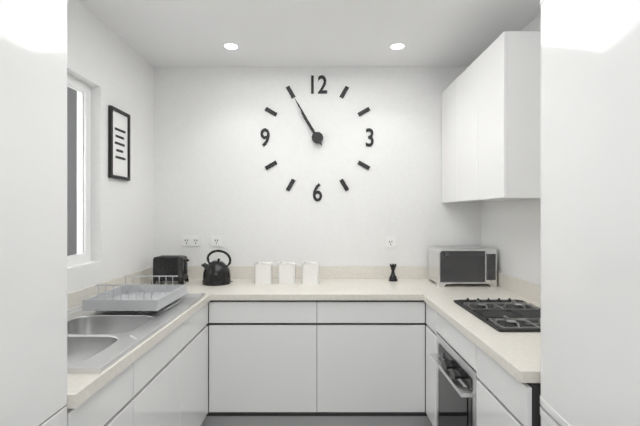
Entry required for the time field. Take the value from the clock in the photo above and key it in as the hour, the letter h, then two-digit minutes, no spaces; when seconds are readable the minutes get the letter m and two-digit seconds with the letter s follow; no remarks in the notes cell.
10h55
